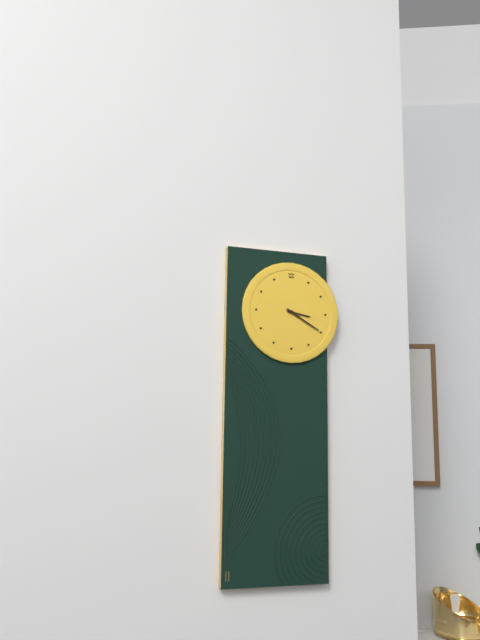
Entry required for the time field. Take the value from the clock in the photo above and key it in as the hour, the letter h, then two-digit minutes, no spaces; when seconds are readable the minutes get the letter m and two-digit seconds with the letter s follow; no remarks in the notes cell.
3h20
